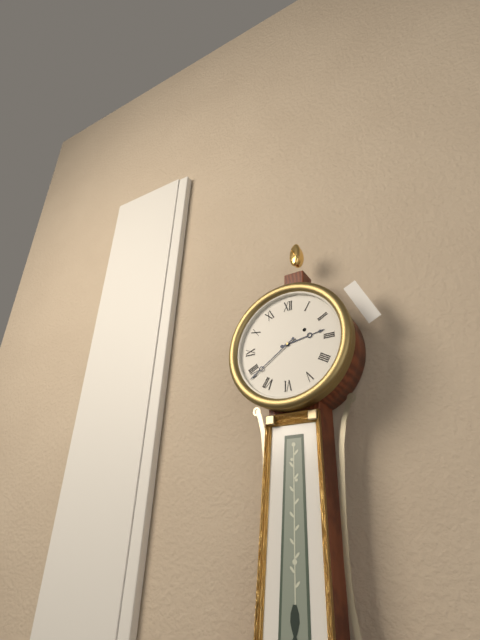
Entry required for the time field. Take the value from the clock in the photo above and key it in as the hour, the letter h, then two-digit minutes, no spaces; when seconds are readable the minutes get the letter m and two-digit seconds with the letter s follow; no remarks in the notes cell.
2h39
